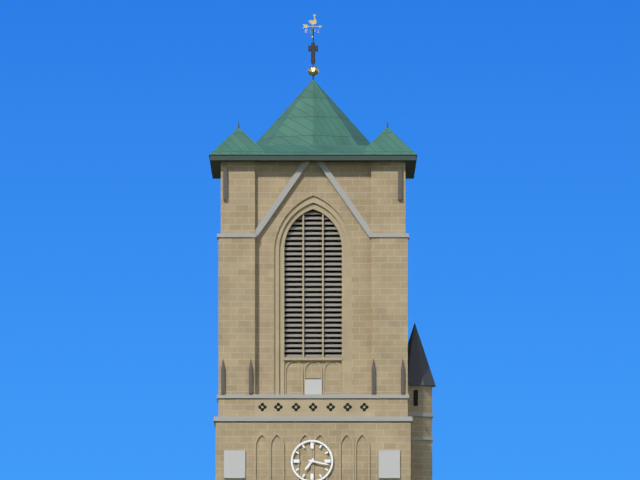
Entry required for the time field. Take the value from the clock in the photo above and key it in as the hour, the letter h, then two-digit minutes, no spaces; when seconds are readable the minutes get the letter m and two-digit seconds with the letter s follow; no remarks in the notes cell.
7h17
